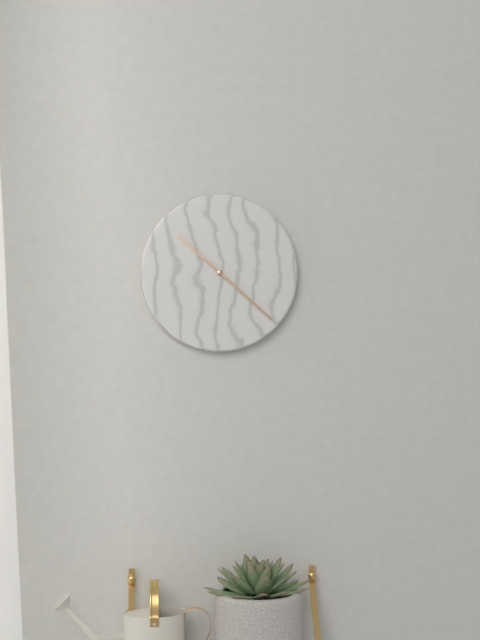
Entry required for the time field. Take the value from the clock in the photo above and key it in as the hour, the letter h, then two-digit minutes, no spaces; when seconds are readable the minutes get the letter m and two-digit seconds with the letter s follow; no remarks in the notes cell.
10h22
